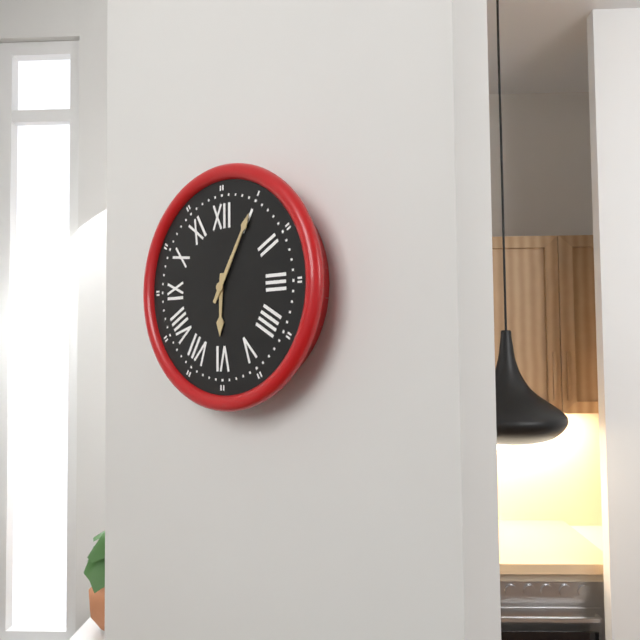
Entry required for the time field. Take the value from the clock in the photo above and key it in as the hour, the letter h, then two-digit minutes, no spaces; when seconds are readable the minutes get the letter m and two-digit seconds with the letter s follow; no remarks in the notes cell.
6h05
